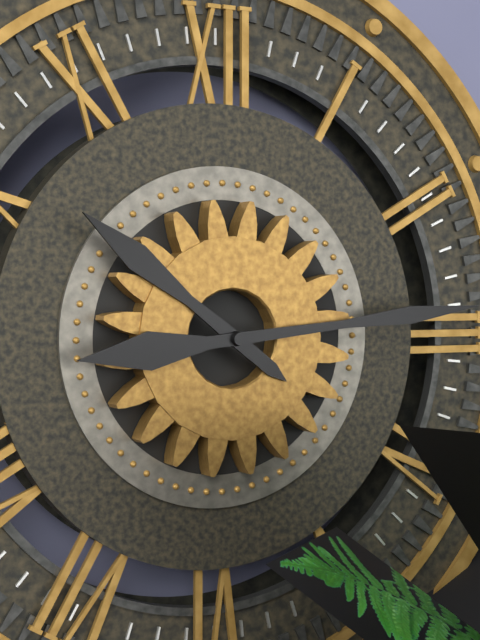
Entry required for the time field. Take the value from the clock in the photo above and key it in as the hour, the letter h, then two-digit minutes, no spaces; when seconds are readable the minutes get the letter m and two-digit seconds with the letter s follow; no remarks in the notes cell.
10h14
